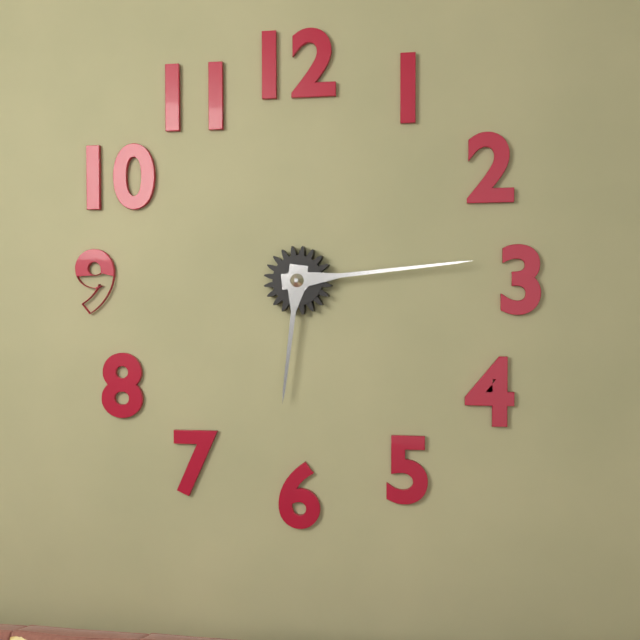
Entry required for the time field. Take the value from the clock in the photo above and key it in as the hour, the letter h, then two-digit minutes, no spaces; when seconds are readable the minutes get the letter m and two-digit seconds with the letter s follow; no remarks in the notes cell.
6h14
